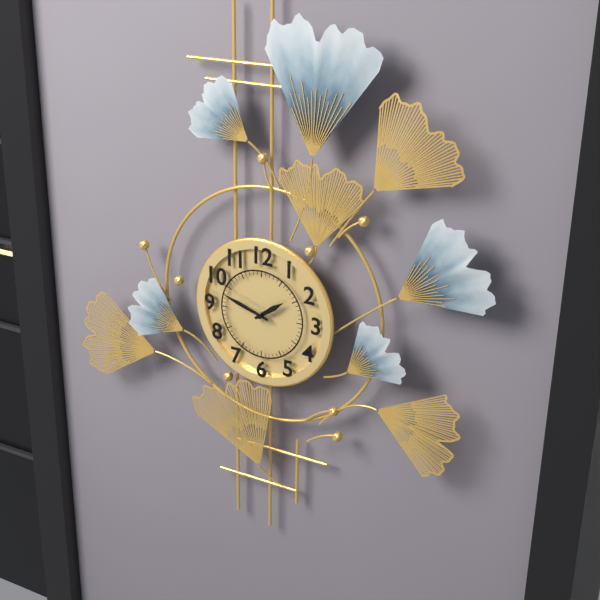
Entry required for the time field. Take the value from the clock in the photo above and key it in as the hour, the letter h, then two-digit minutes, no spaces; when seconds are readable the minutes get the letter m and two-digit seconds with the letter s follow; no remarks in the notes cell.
1h48
